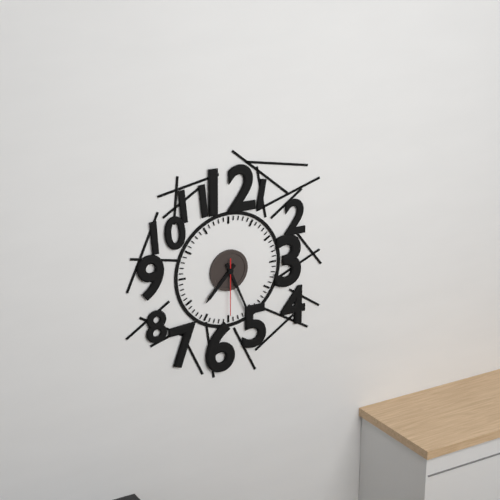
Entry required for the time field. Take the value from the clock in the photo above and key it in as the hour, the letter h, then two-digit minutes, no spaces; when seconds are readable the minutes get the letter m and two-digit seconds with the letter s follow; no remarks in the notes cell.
7h26m30s
